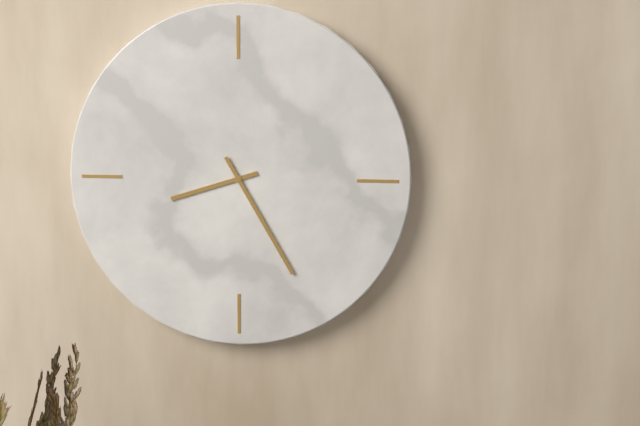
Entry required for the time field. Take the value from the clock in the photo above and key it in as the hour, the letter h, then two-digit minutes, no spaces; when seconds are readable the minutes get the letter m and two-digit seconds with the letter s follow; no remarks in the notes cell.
8h25
